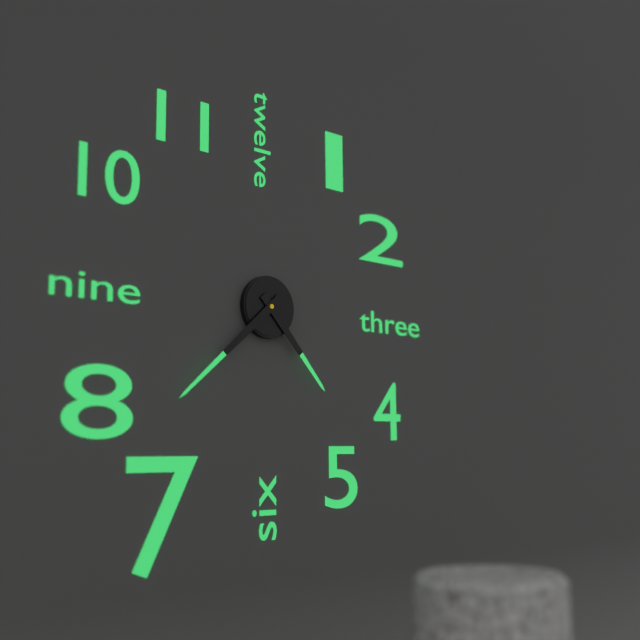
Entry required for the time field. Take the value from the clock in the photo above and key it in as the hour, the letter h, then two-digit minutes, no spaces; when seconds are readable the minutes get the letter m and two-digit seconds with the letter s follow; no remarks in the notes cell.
4h38
